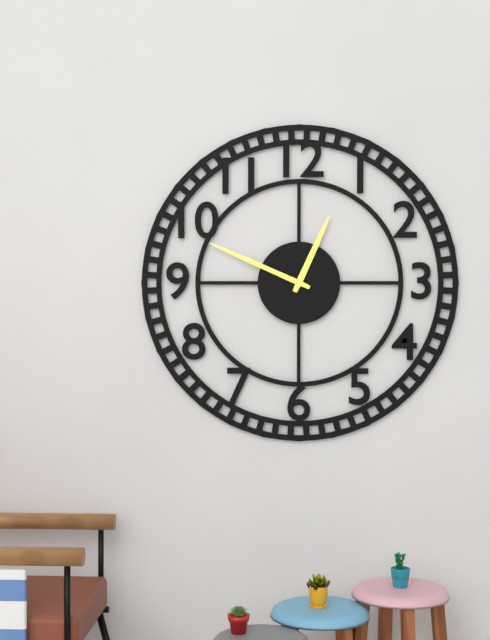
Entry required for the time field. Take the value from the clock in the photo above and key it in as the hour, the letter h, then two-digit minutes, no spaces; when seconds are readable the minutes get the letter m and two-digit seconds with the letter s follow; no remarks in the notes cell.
12h49
